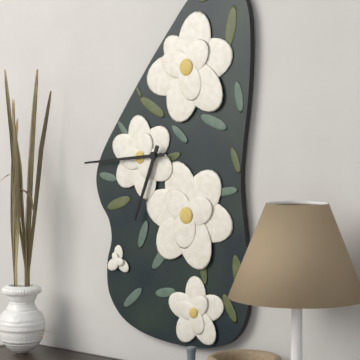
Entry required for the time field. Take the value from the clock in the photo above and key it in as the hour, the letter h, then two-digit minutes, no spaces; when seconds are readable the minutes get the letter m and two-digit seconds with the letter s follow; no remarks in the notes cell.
6h44
